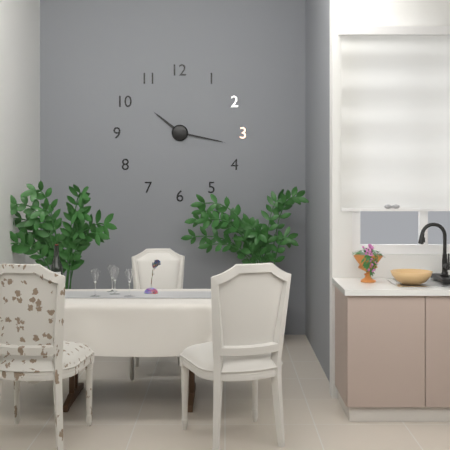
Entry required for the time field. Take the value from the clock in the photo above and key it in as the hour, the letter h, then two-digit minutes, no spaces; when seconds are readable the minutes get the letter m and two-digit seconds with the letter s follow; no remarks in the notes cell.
10h17
